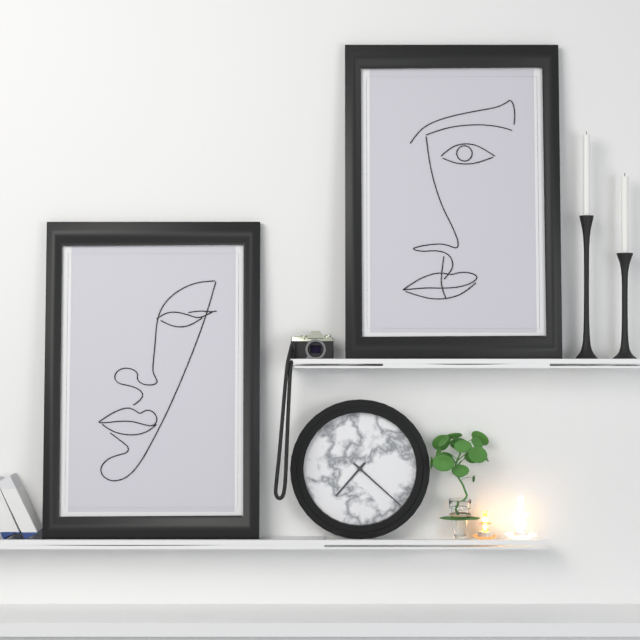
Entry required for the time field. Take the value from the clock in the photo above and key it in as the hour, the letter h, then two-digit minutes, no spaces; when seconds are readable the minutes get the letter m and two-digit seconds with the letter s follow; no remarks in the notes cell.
7h22
